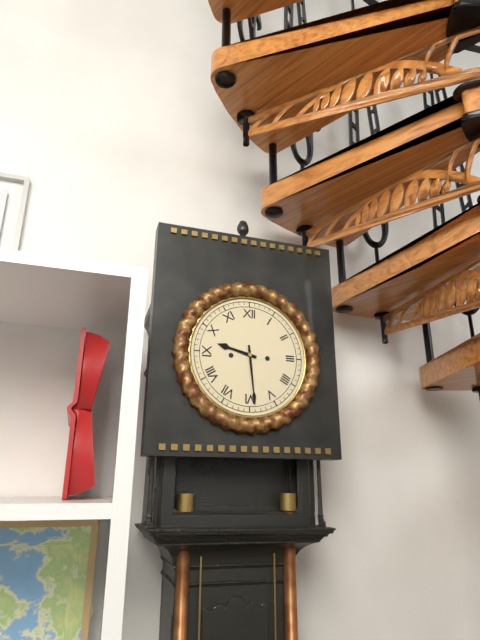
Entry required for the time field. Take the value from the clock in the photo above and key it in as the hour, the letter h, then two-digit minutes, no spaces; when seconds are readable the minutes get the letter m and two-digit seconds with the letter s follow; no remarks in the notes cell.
9h29
